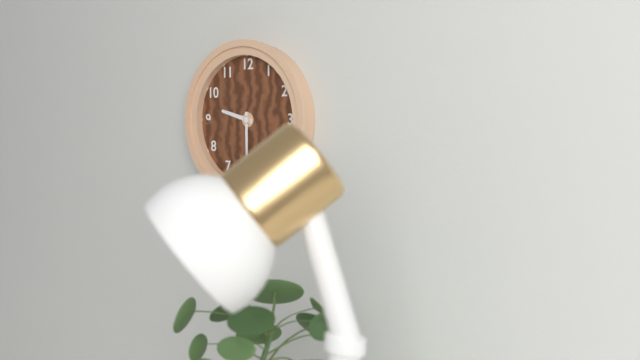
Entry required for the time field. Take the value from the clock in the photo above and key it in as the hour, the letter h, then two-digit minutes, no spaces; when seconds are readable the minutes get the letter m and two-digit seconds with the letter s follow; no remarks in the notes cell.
9h30
